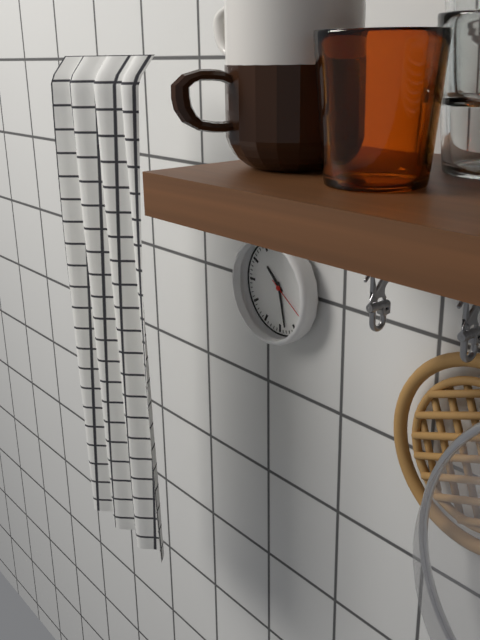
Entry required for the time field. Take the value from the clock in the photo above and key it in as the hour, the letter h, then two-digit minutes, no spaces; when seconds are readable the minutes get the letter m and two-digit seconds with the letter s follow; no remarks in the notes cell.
10h28m21s
